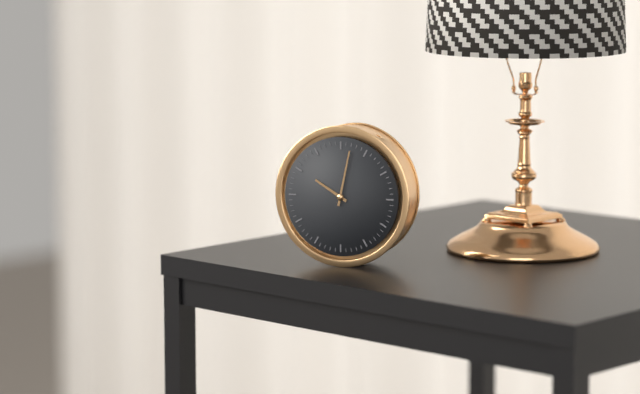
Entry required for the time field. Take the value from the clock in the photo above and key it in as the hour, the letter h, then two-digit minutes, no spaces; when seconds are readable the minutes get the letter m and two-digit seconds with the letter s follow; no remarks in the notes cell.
10h02
